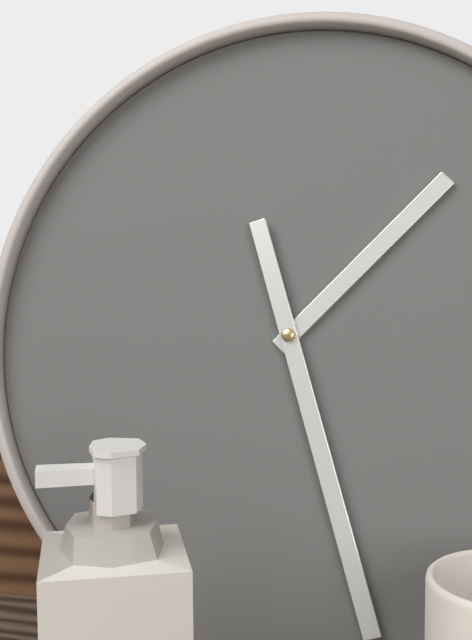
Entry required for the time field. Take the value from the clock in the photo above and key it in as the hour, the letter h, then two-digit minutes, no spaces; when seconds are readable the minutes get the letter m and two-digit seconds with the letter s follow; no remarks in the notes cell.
1h27
